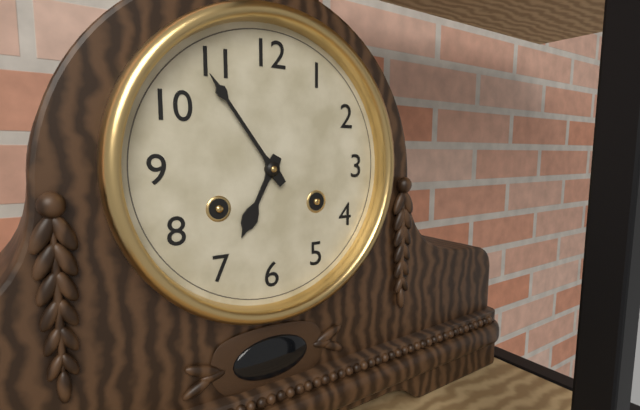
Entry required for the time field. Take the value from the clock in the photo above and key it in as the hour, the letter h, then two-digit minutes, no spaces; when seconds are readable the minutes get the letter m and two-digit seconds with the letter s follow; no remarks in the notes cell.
6h54
